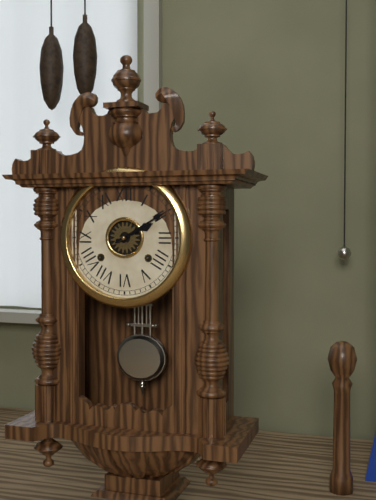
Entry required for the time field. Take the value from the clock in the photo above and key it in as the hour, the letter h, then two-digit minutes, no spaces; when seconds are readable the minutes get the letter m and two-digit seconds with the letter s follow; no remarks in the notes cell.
2h10
